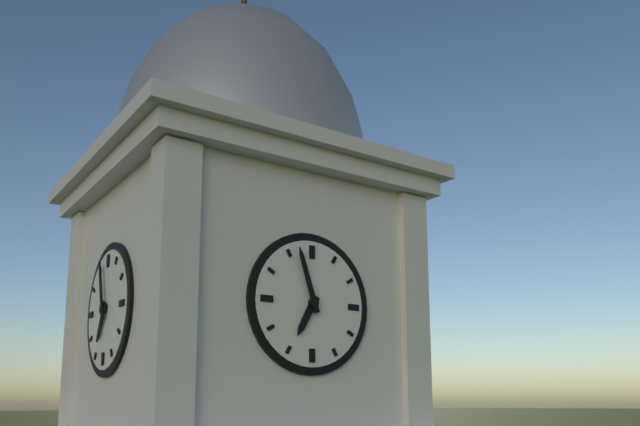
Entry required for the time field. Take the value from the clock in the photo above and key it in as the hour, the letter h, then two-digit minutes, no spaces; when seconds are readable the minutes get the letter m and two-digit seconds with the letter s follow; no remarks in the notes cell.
6h57
